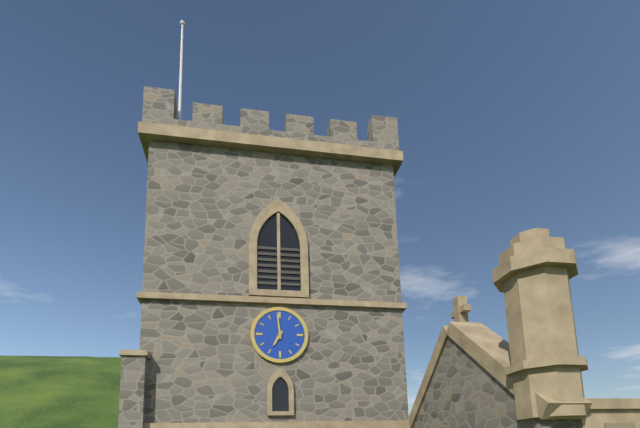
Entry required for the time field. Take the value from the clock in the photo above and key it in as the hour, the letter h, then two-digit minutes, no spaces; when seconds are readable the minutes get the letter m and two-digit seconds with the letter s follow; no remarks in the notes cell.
6h59
